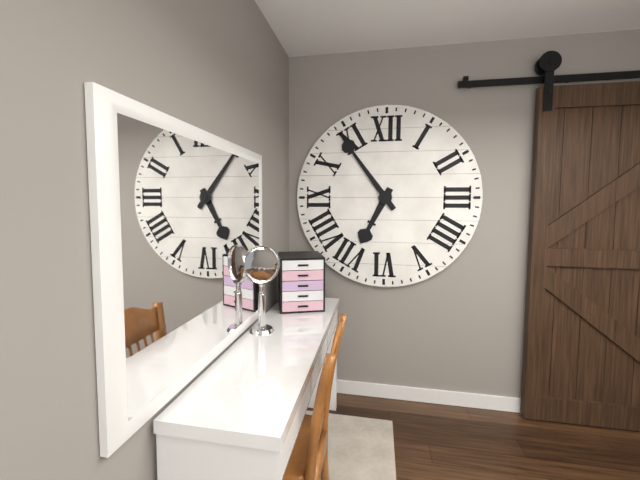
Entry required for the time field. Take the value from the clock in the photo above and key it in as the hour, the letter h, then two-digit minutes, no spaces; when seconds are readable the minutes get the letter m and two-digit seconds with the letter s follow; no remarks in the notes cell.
6h54
